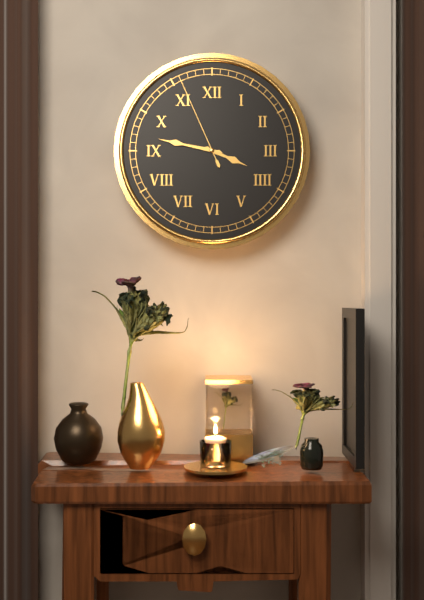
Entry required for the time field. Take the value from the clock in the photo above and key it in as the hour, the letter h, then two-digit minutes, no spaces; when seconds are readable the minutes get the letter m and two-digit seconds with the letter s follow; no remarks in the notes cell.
3h47m56s
